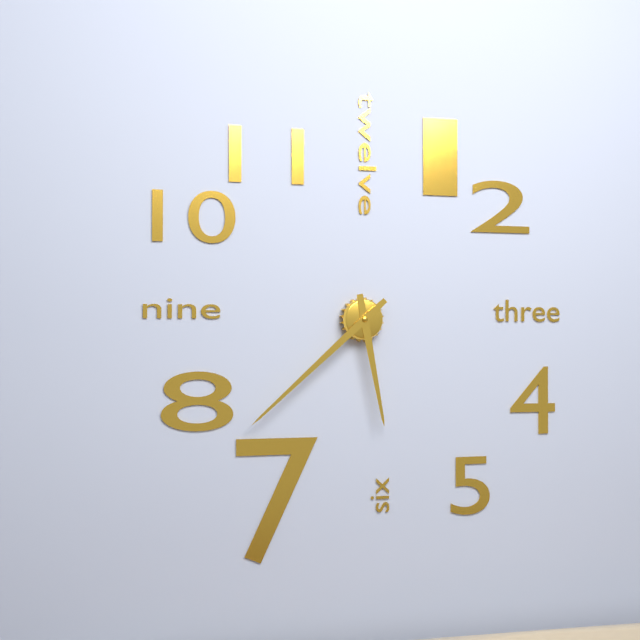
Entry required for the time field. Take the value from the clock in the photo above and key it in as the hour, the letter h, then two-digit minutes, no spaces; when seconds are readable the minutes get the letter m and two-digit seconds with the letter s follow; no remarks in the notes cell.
5h38
